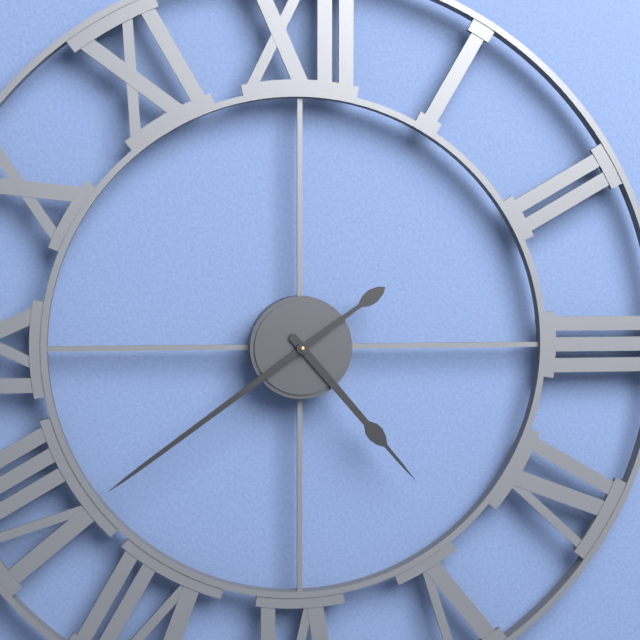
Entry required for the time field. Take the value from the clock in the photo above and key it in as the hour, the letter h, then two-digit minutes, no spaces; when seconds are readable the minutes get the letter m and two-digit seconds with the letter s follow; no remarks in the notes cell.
4h39
